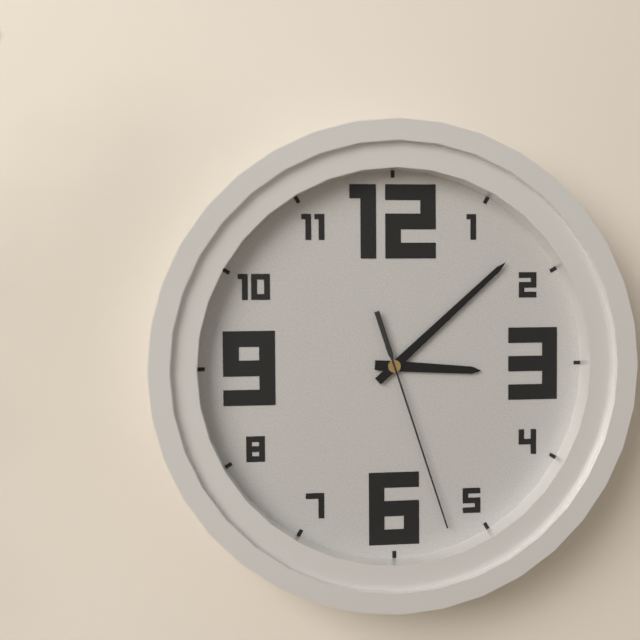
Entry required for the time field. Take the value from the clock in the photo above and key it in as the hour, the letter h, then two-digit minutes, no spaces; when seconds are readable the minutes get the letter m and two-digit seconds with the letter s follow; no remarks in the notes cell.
3h08m27s
